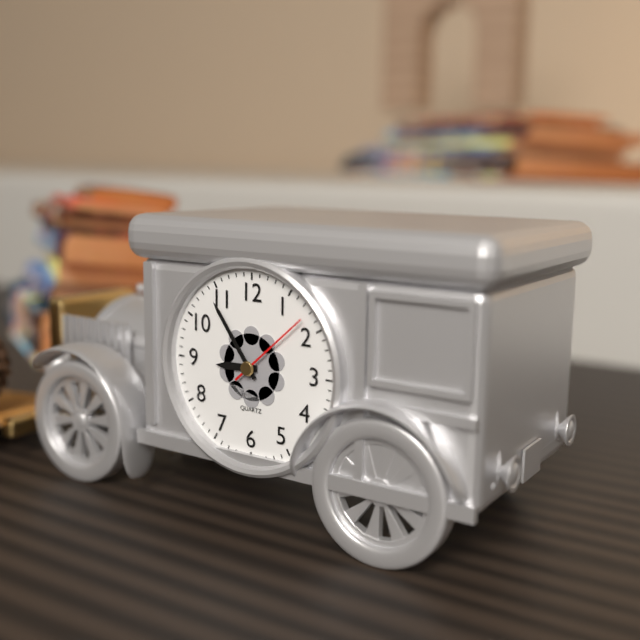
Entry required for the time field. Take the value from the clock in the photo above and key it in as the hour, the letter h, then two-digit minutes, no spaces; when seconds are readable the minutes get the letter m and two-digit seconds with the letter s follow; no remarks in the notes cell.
8h54m08s
